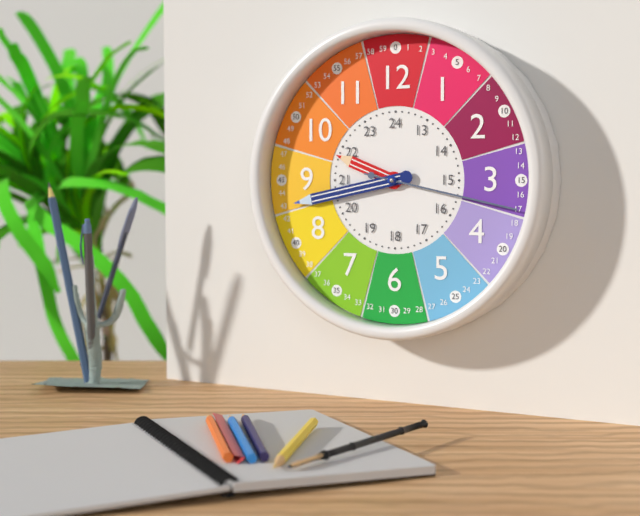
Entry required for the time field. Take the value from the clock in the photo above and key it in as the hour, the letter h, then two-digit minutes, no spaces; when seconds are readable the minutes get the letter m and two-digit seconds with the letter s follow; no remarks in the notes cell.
9h43m17s
